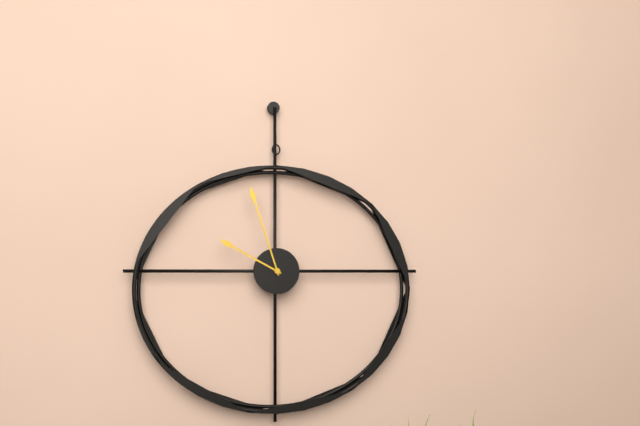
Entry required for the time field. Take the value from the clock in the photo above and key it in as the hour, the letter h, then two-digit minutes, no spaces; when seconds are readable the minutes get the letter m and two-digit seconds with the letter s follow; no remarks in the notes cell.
9h57
